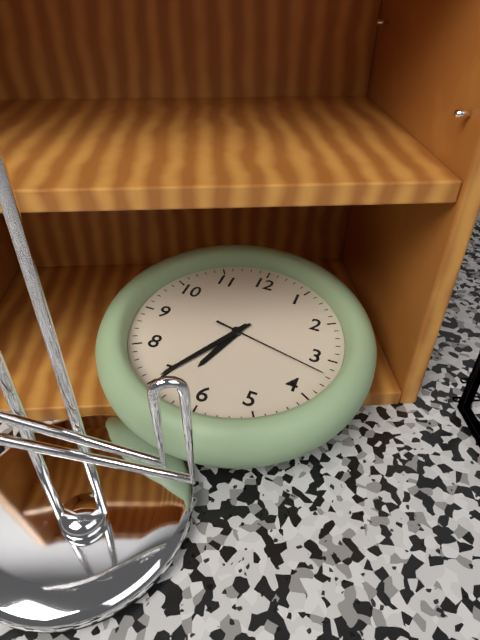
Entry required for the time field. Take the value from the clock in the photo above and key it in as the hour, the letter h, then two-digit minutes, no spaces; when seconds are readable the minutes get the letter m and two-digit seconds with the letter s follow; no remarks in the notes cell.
6h35m17s
